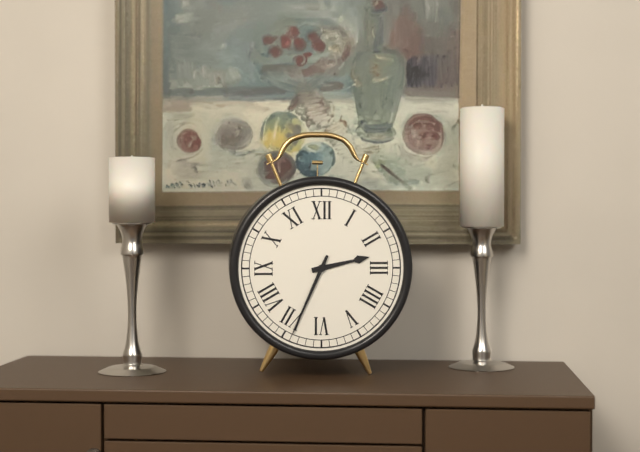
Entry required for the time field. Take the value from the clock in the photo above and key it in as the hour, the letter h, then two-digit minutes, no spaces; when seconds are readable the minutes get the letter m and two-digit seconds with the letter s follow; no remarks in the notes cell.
2h34
